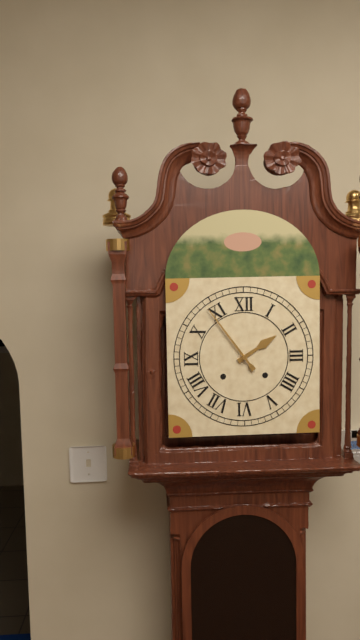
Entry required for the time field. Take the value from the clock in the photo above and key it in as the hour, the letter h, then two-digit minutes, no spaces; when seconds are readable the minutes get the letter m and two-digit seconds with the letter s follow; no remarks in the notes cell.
1h54
